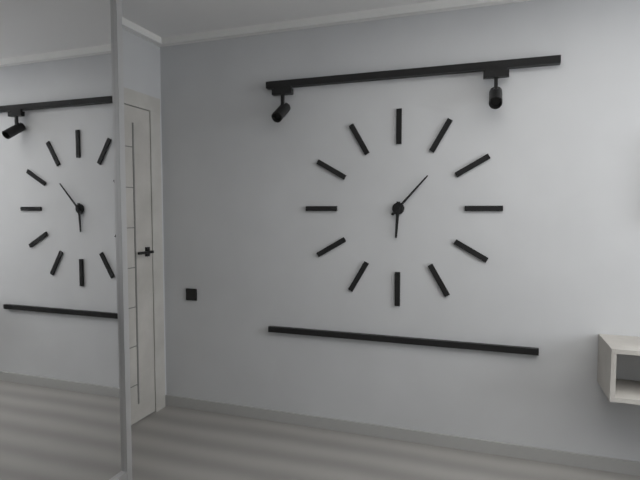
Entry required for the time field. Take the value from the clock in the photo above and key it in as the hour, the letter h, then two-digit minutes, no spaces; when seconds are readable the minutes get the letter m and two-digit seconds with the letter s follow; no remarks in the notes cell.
6h07
